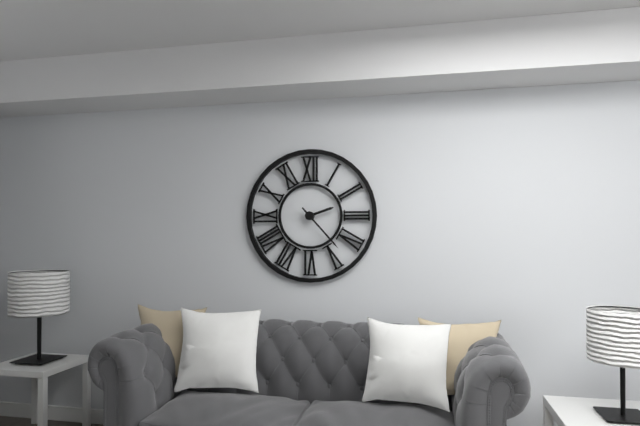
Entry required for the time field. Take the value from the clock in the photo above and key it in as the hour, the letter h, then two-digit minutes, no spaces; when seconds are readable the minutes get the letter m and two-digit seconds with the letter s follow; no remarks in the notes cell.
2h23
